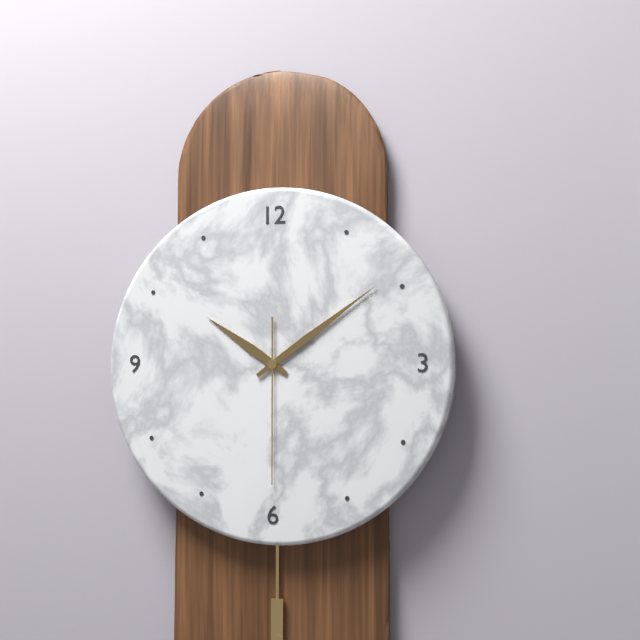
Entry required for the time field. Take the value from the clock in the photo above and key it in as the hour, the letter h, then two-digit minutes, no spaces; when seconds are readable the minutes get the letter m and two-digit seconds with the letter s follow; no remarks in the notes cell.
10h09m30s
